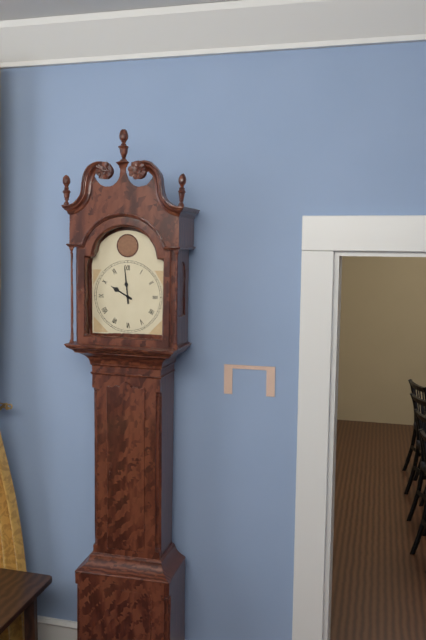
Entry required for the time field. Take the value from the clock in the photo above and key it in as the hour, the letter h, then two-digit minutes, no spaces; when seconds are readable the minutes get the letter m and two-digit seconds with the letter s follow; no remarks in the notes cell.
9h59
